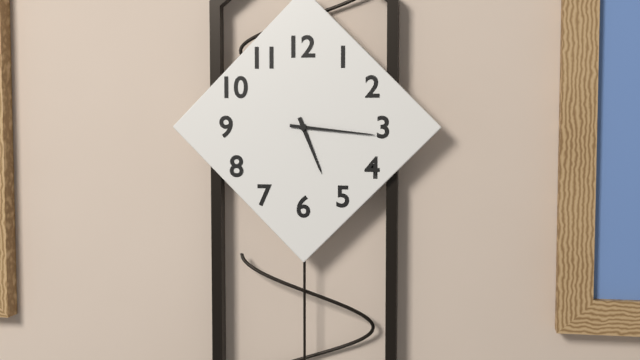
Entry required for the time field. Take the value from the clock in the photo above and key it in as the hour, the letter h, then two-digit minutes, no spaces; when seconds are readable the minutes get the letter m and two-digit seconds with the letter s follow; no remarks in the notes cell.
5h16
